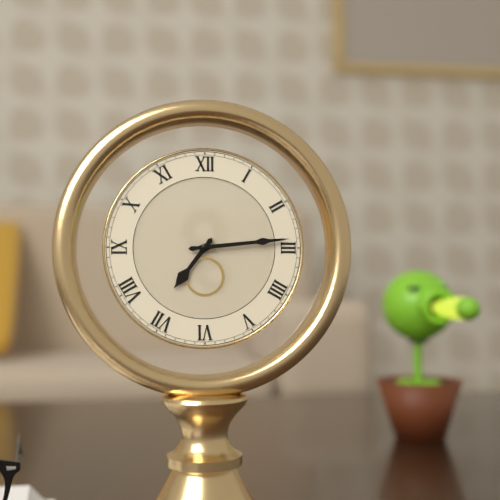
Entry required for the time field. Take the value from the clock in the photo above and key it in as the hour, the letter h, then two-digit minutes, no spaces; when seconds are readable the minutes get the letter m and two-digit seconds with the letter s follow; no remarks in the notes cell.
7h14
